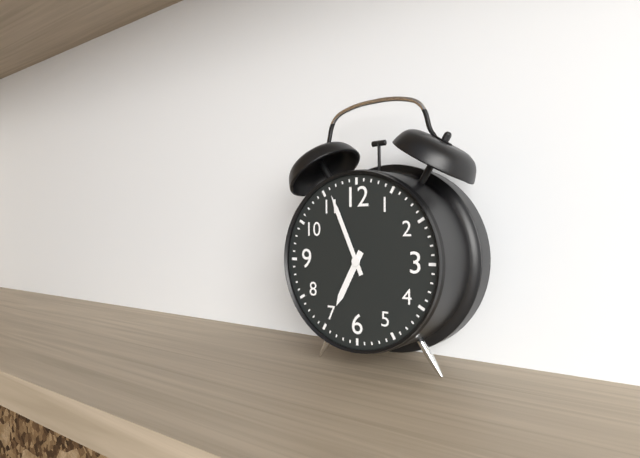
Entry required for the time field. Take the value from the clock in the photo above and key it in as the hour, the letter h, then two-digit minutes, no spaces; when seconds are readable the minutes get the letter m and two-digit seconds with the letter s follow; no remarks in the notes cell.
6h56
